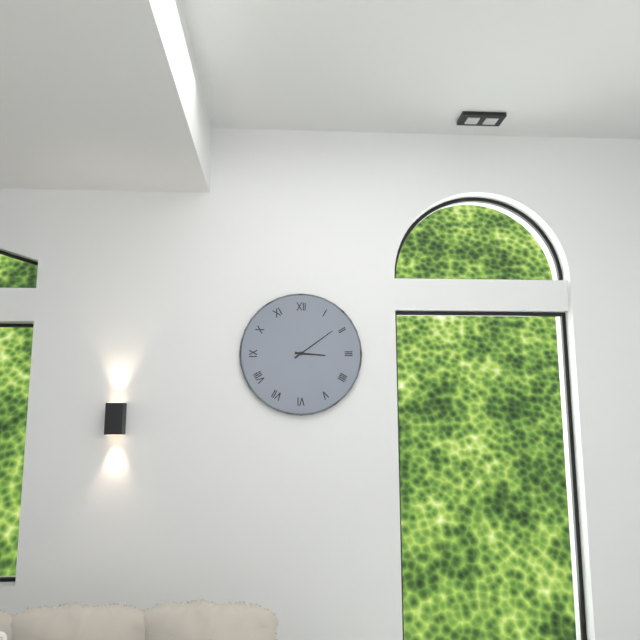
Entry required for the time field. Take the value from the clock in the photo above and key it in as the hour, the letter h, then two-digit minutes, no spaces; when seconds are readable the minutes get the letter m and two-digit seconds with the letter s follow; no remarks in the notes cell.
3h09
